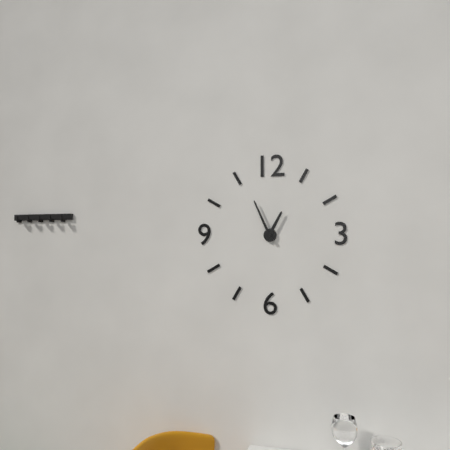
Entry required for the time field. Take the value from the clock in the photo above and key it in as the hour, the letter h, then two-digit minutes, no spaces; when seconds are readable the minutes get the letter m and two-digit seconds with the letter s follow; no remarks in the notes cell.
12h56
